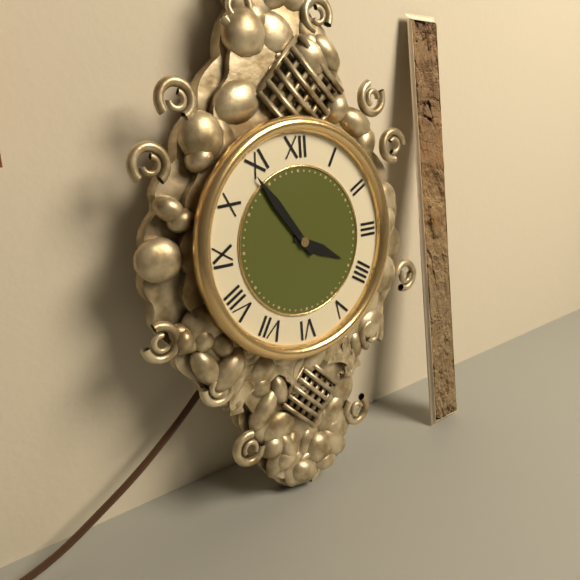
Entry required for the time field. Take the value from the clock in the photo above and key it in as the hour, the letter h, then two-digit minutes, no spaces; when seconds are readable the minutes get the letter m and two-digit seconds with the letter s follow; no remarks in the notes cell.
3h54
